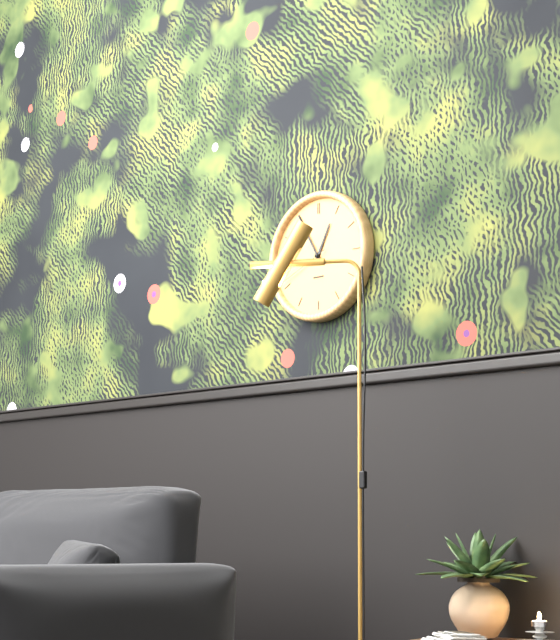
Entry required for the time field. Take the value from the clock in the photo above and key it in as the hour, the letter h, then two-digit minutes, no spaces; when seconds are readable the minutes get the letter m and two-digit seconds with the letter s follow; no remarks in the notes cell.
12h55m41s
